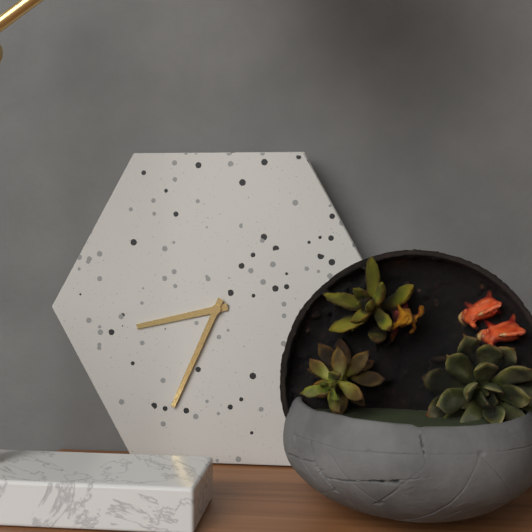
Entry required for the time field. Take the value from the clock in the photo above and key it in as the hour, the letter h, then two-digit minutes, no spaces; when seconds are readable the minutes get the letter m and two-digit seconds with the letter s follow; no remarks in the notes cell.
8h34
